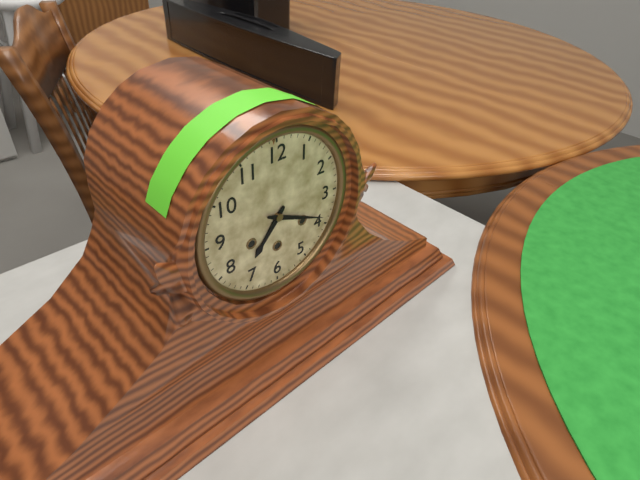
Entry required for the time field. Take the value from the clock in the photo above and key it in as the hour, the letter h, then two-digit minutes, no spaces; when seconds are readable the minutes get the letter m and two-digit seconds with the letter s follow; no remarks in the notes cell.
7h19
